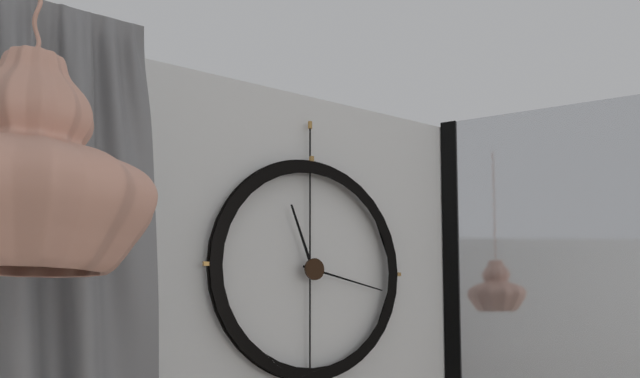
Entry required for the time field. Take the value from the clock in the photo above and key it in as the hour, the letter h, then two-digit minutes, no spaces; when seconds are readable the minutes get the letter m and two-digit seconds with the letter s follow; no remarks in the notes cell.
11h17
